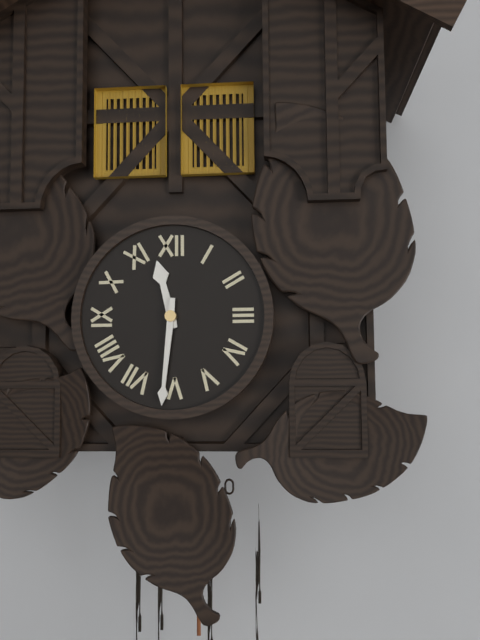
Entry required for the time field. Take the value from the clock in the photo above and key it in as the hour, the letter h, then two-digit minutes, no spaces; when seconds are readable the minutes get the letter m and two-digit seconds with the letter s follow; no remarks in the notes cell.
11h31
